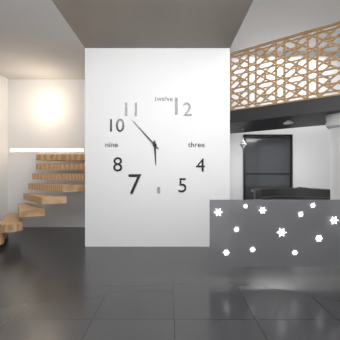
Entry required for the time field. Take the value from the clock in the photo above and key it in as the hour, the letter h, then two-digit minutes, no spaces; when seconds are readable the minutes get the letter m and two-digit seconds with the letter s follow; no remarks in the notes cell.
5h53
